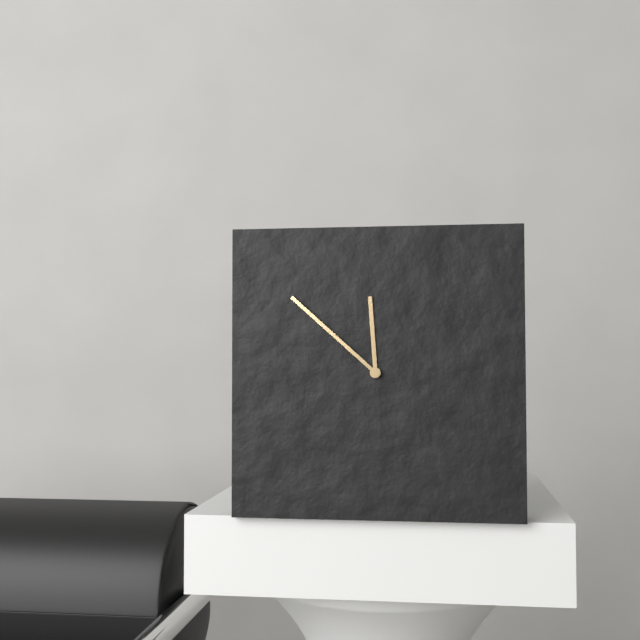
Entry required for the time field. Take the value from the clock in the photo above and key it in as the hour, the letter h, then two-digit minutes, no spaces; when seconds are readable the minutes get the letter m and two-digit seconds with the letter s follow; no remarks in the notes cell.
11h52
